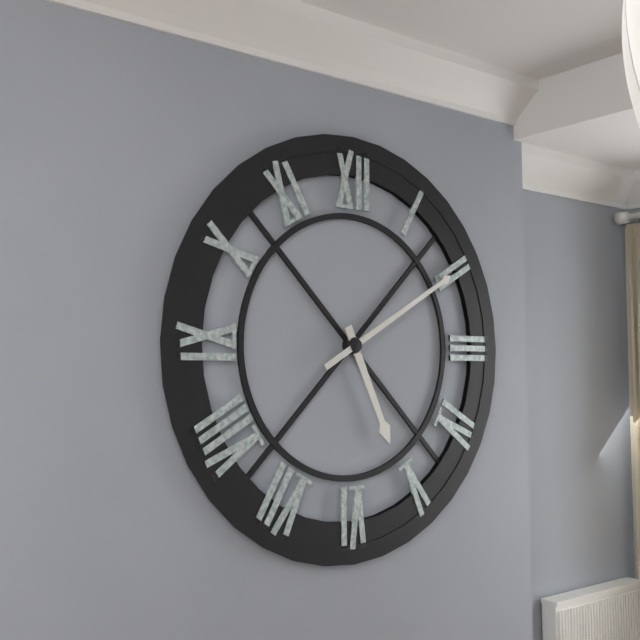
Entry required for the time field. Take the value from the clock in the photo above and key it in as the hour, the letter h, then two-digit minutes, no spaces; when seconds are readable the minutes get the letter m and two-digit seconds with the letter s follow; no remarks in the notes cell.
5h10
